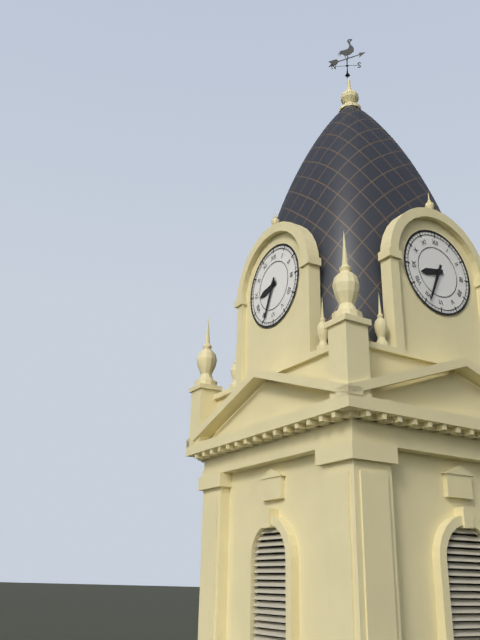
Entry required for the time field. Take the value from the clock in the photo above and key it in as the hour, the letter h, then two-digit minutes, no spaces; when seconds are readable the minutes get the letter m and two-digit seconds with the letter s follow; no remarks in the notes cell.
8h34
